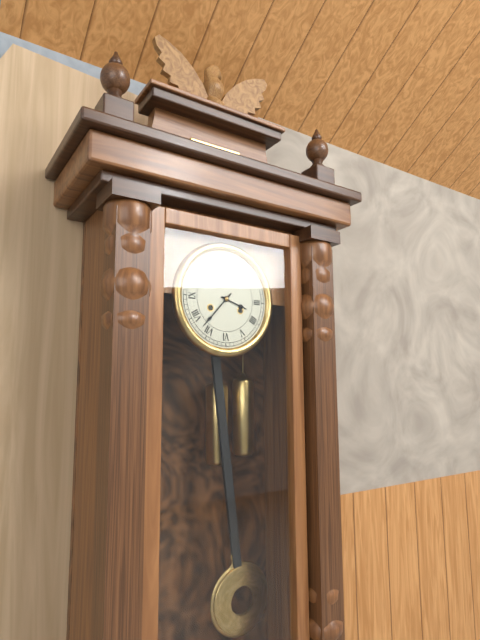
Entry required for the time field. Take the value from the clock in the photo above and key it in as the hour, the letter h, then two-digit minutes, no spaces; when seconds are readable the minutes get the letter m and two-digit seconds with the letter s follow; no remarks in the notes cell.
3h37
